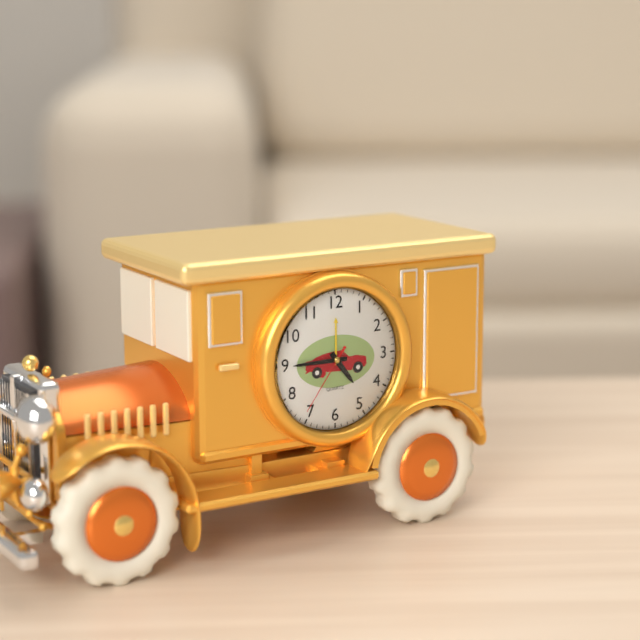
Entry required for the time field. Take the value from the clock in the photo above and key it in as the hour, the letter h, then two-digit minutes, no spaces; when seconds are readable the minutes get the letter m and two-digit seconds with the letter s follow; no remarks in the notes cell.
4h45m36s
